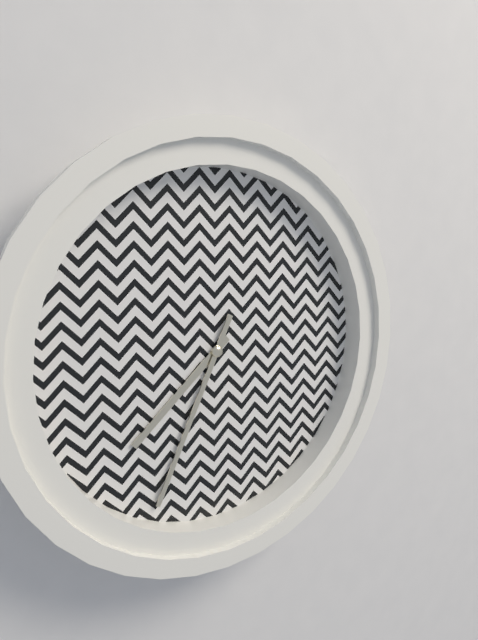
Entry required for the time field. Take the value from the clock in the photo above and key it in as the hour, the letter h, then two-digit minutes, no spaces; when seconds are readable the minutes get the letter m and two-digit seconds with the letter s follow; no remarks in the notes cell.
7h34
